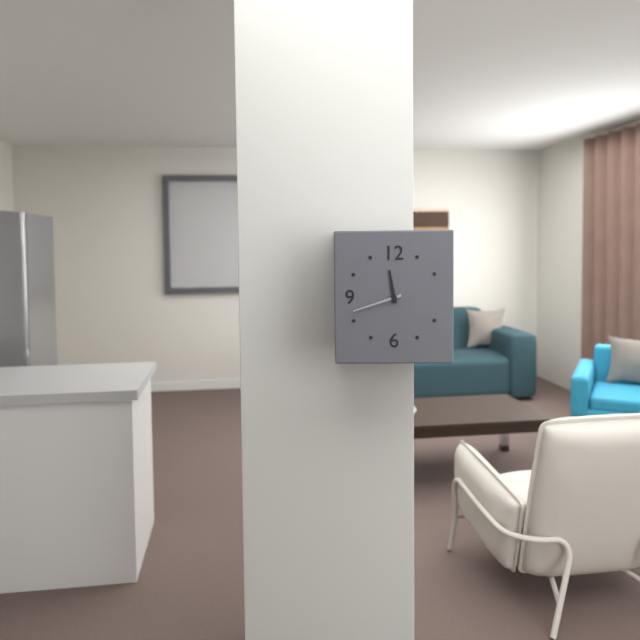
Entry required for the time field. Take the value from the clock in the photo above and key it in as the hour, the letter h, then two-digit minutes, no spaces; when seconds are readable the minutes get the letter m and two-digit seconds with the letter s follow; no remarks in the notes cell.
11h42
